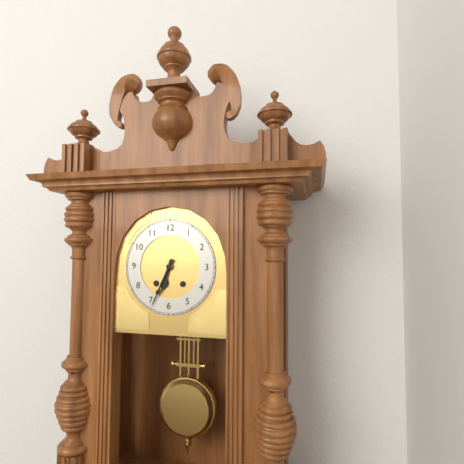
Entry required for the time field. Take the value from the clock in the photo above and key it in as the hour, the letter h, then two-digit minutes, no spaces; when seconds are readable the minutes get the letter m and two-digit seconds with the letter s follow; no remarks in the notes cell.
6h34
